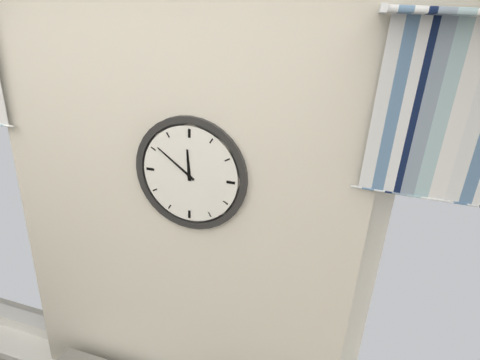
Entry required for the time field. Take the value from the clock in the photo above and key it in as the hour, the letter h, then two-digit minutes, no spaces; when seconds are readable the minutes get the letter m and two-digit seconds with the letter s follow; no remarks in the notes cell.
11h51
